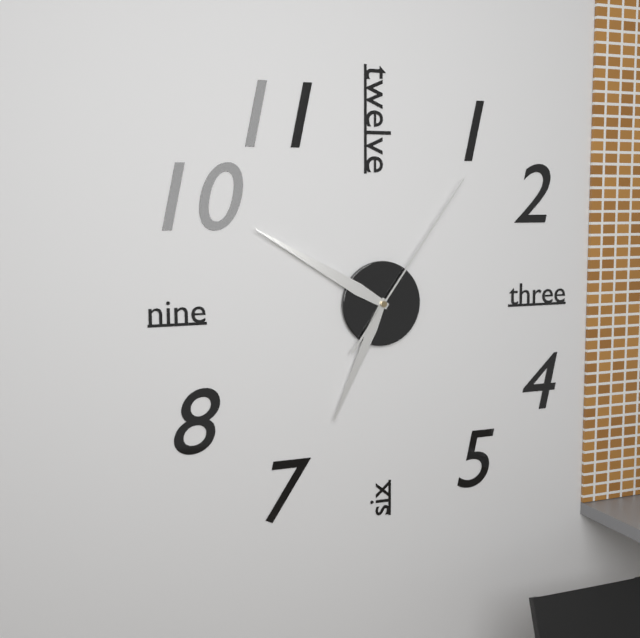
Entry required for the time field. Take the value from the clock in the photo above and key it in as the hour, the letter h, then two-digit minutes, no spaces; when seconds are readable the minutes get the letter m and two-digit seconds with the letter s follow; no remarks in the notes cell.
6h50m06s
